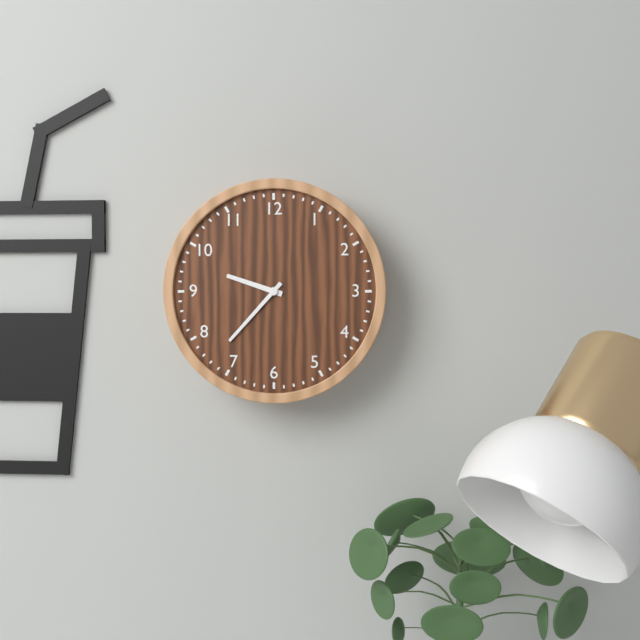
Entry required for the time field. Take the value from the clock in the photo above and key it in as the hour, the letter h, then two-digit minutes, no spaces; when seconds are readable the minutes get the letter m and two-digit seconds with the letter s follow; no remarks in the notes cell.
9h37
